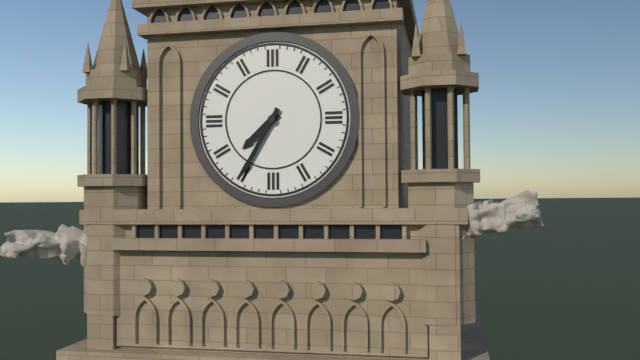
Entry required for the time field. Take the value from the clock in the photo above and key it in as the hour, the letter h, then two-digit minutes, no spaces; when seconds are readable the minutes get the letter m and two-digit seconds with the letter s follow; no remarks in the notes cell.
7h35
